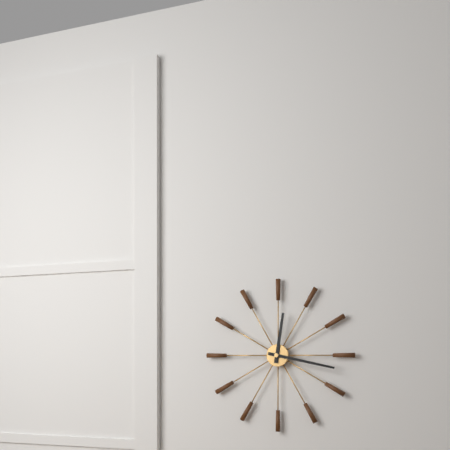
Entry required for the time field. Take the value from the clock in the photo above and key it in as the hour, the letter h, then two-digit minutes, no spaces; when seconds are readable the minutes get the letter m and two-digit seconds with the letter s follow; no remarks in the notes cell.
12h17
